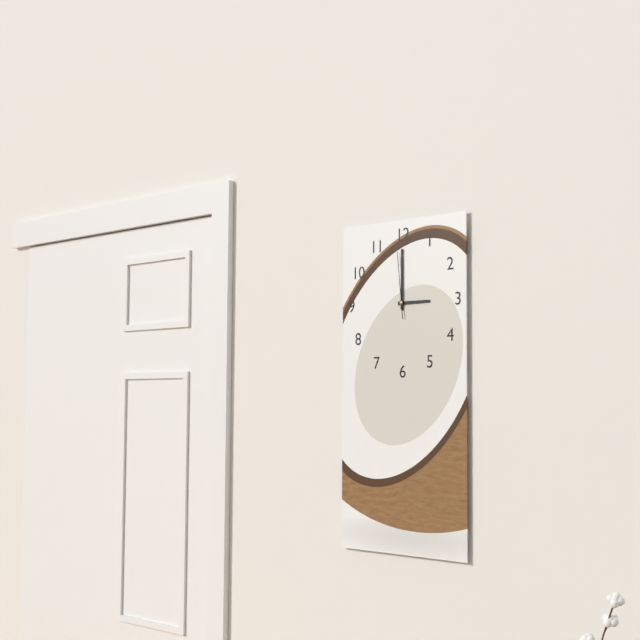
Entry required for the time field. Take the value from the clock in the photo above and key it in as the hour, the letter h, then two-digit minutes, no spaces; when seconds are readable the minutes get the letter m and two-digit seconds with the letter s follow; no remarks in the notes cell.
3h00m59s
